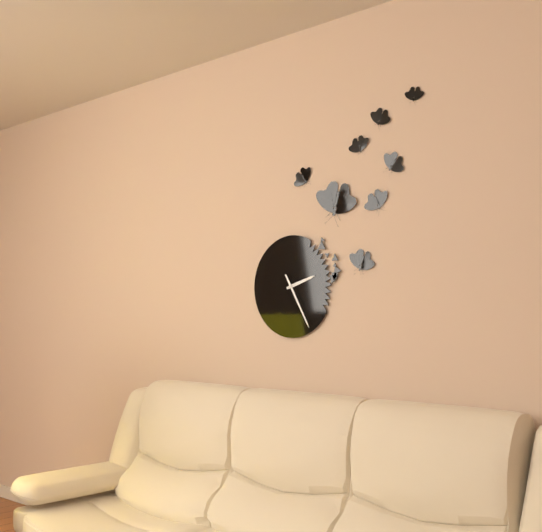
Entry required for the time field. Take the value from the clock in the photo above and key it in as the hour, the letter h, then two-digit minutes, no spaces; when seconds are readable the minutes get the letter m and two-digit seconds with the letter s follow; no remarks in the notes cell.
2h25
